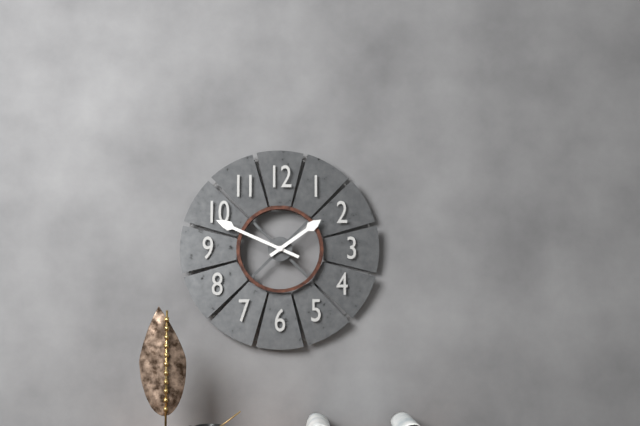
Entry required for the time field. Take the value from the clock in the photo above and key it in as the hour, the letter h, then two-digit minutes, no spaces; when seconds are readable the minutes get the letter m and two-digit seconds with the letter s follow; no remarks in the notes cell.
1h49
